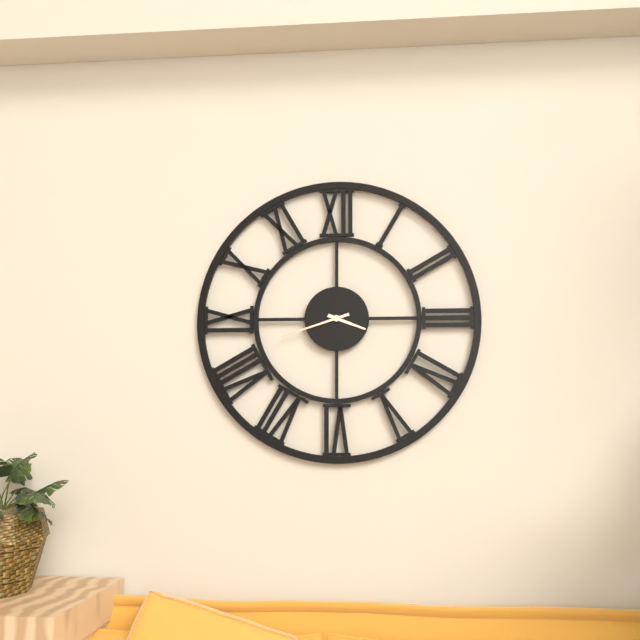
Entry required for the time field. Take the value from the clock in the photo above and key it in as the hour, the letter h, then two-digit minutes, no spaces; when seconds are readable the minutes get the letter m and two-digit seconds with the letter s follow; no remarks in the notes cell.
3h42
